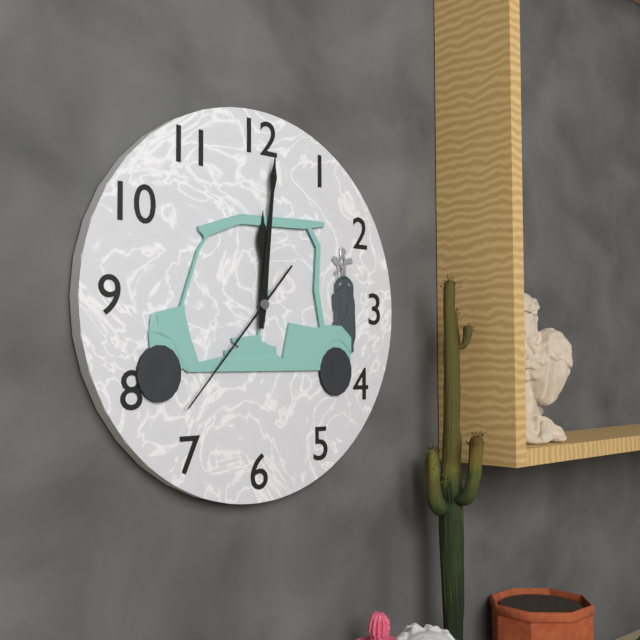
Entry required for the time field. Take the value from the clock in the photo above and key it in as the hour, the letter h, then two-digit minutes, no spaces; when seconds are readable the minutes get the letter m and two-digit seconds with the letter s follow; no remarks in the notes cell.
12h01m37s
